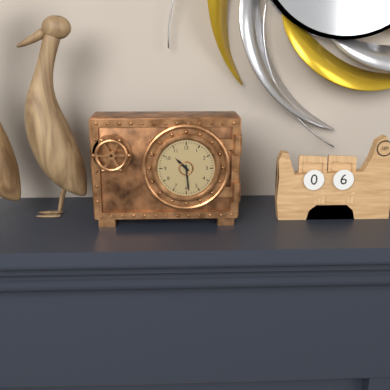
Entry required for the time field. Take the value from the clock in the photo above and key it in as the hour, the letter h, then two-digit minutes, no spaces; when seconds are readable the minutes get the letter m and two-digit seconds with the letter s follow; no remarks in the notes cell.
10h29
